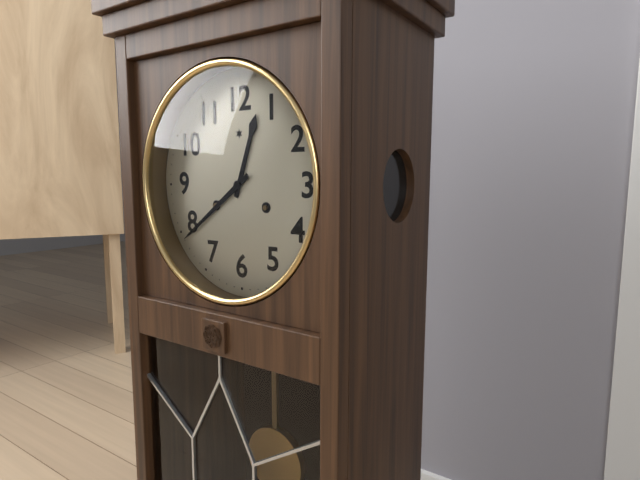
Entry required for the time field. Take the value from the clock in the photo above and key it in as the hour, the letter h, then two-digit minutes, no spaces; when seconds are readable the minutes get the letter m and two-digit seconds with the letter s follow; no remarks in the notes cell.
12h39
